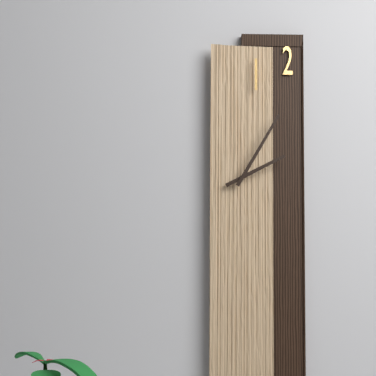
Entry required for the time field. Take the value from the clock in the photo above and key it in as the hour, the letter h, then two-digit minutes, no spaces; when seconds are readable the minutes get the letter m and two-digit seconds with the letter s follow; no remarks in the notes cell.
2h05
